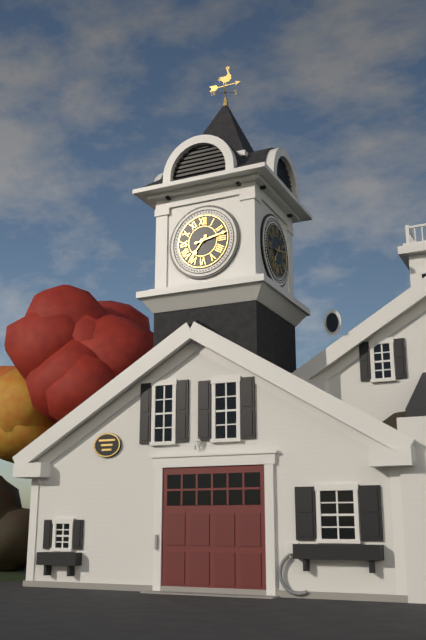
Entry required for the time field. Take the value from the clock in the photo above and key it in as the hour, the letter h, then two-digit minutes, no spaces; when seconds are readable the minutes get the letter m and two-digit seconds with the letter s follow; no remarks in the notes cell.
7h13
